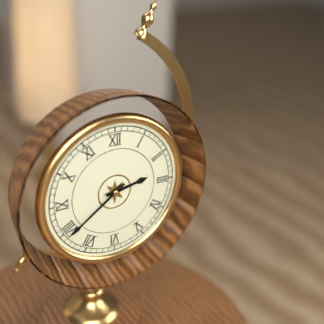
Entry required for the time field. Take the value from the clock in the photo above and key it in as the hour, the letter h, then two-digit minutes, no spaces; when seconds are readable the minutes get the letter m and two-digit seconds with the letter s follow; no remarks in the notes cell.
2h39
